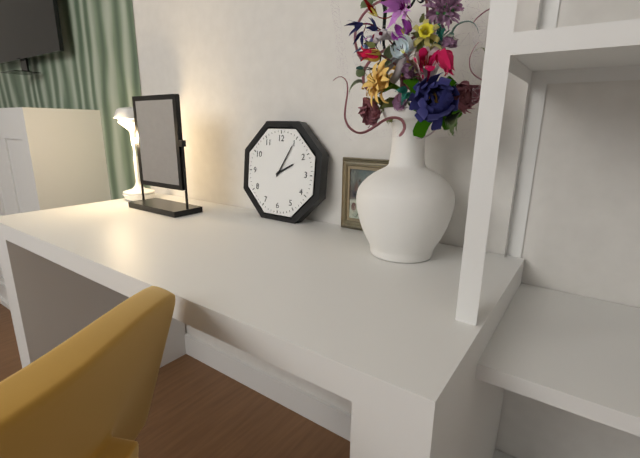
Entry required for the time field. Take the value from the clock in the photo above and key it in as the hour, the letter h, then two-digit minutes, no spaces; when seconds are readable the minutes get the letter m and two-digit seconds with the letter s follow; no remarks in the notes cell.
2h05
